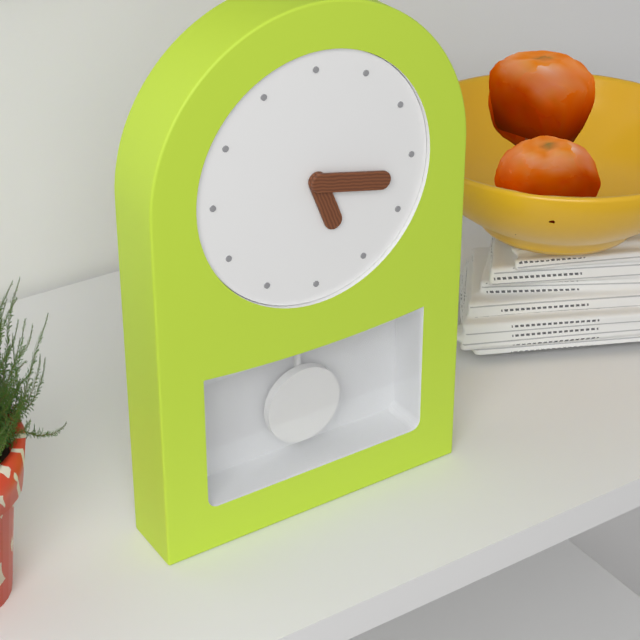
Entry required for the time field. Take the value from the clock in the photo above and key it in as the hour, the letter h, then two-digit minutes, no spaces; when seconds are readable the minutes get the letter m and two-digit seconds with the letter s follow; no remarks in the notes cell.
5h17
